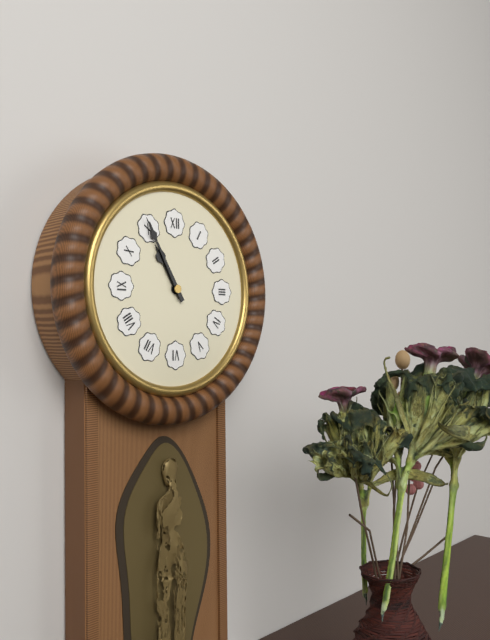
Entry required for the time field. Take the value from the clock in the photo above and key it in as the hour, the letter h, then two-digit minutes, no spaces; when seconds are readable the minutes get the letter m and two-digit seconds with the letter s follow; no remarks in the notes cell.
10h55
